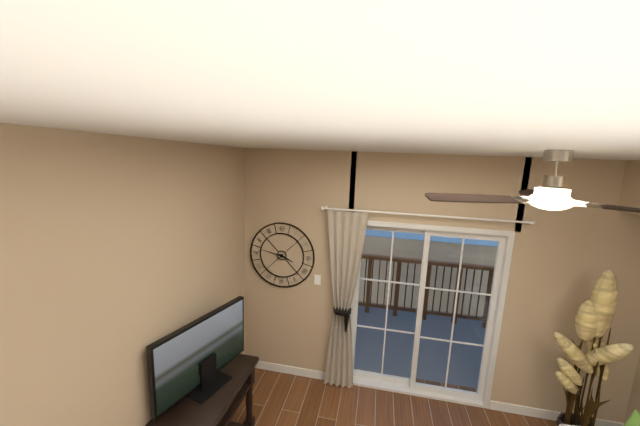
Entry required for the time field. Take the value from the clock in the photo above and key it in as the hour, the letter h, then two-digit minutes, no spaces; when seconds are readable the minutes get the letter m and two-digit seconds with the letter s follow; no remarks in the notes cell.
3h47
